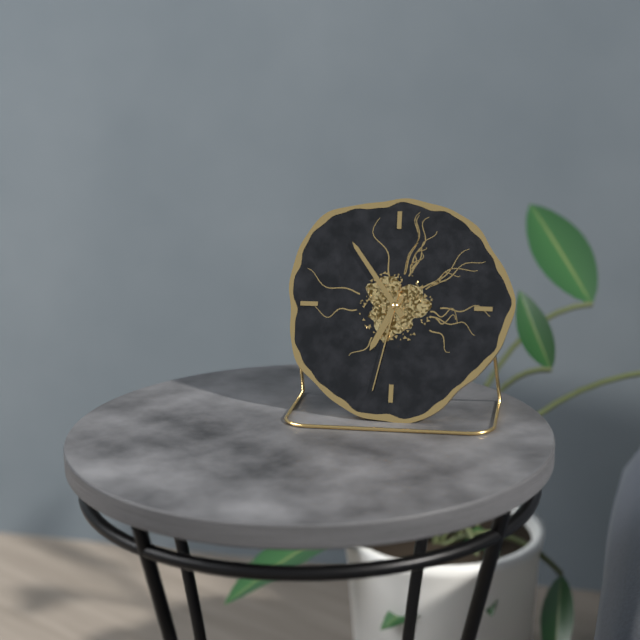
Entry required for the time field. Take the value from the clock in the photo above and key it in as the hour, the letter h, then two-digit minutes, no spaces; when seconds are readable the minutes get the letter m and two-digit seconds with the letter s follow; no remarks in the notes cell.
6h54m32s
